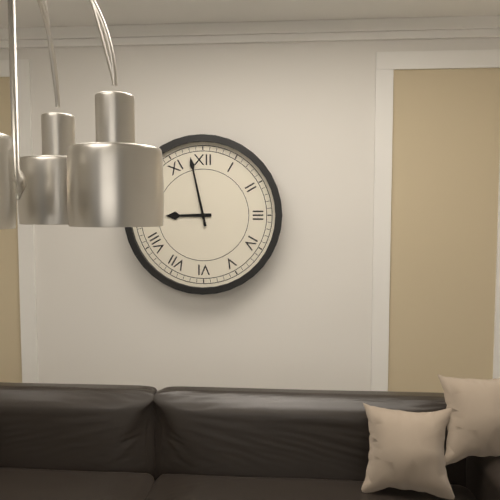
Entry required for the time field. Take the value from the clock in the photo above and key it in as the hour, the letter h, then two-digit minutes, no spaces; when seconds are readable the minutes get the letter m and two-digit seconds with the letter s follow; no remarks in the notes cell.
8h58
